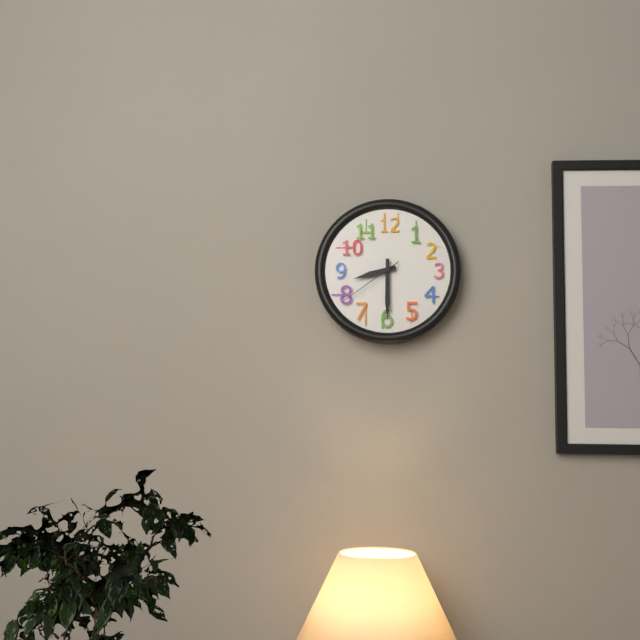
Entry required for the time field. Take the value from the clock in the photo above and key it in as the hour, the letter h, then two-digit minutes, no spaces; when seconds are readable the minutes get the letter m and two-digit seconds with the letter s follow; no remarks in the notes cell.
8h30m39s
